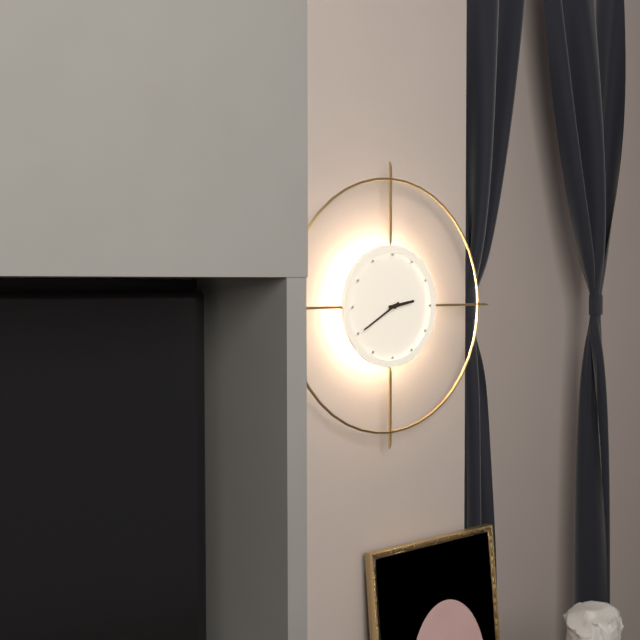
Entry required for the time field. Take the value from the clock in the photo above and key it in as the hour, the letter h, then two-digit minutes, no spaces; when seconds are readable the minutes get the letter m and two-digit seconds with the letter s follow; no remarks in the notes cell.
2h40
